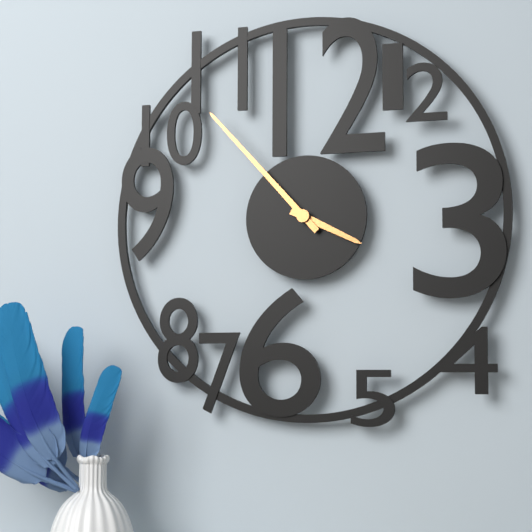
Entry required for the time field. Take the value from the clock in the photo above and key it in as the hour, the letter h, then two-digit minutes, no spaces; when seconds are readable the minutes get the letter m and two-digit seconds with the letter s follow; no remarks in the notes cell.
3h53
